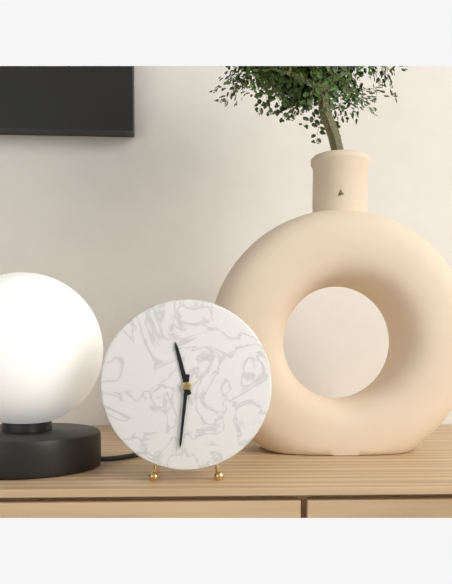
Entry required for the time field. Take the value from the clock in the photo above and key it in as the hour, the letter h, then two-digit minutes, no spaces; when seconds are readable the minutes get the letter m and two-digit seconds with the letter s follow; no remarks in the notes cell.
11h31
